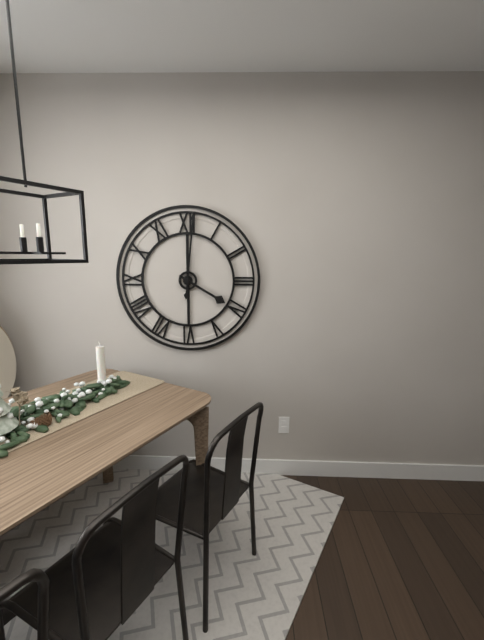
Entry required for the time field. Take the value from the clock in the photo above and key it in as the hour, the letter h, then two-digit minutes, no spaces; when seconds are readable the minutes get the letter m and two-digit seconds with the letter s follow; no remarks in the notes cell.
4h01
